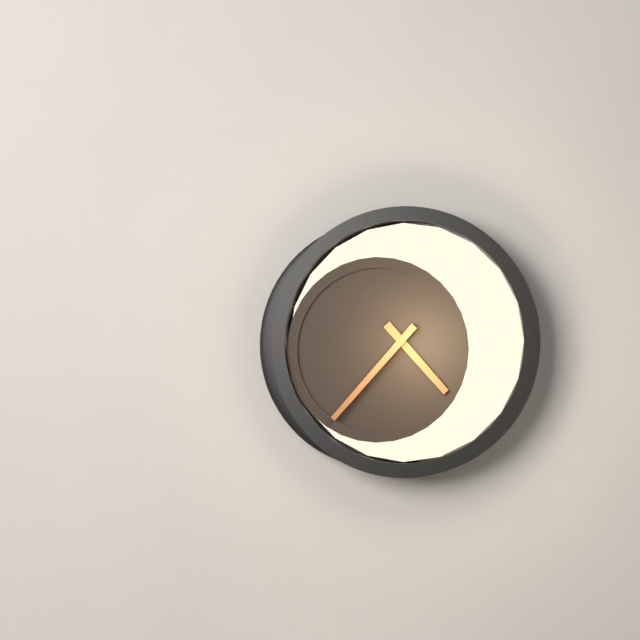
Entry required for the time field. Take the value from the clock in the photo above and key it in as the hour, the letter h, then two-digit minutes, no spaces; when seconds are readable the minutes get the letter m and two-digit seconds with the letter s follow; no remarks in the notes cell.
4h37
